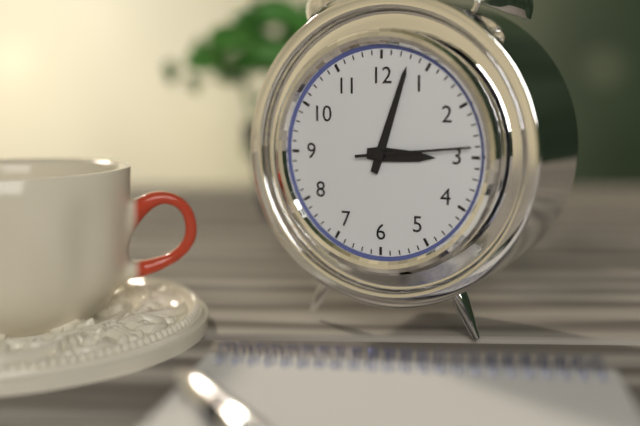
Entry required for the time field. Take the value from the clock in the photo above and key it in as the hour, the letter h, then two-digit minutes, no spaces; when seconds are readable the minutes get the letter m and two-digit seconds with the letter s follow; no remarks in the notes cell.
3h03m14s
